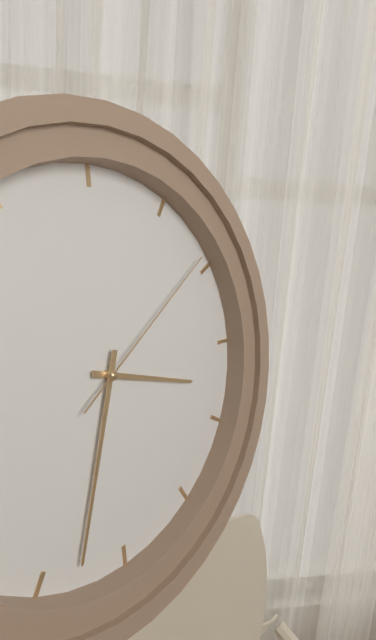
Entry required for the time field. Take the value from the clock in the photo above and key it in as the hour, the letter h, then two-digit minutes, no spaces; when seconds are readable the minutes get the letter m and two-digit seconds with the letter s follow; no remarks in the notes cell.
3h33m09s
